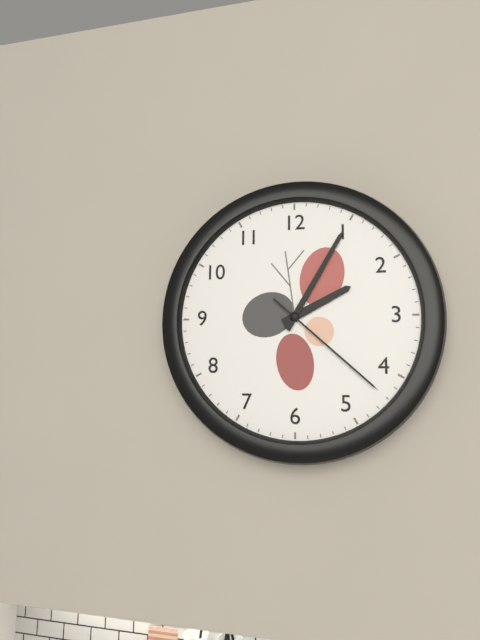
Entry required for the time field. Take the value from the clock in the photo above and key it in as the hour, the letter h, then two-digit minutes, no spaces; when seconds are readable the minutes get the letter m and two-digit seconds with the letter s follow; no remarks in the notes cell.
2h05m22s
